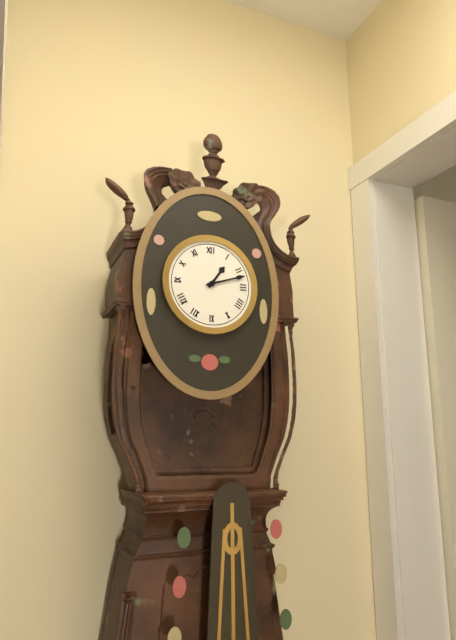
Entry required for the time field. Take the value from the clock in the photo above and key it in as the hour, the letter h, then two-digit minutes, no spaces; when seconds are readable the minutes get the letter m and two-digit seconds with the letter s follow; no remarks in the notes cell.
1h12
